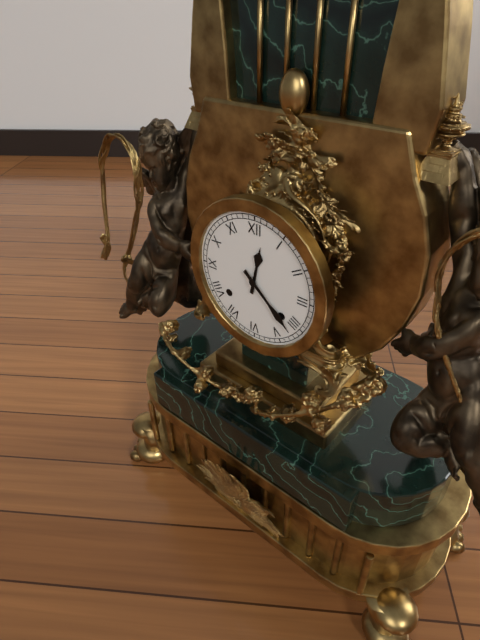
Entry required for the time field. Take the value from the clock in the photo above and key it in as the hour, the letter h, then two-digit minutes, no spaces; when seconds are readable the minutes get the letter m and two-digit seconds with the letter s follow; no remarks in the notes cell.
12h22
